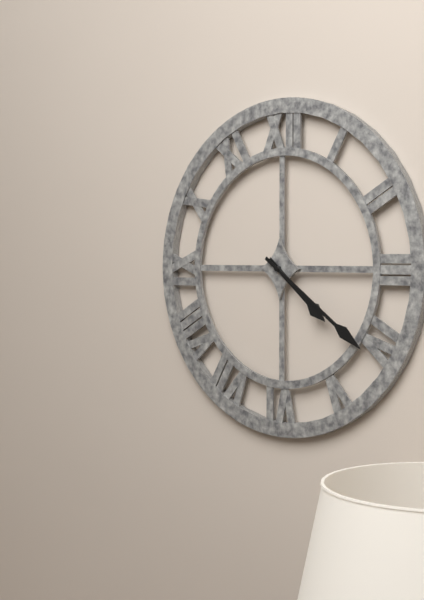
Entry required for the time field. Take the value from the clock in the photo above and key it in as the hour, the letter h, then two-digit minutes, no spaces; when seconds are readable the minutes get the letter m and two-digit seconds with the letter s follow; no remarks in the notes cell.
4h21
